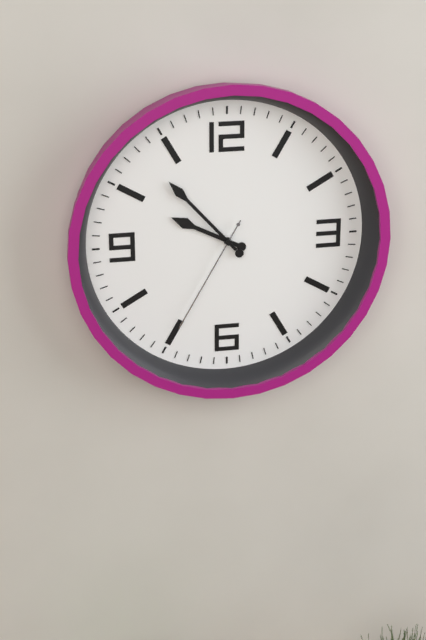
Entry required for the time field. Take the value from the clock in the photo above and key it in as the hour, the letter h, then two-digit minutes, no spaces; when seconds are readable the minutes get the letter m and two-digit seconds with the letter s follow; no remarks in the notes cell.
9h53m35s
